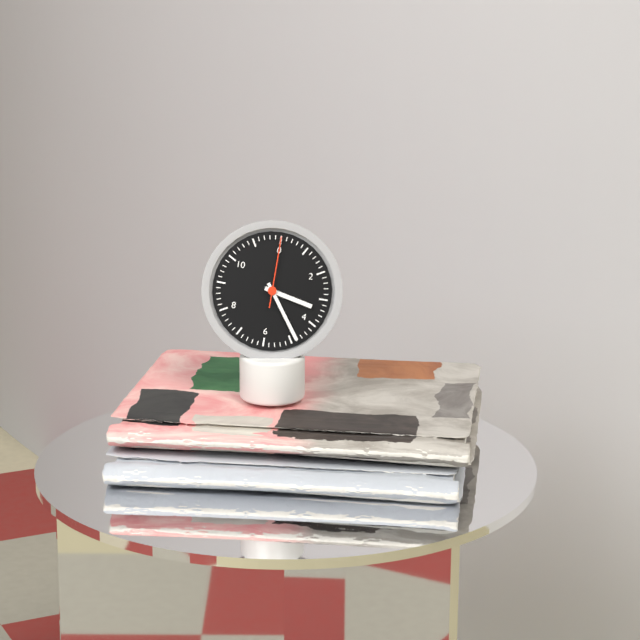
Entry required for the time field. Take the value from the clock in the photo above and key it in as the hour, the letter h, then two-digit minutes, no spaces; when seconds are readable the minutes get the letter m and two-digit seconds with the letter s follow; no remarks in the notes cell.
3h24m00s
